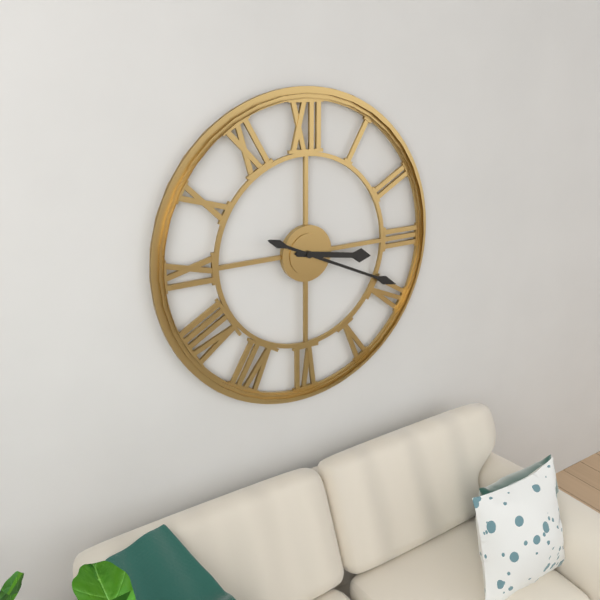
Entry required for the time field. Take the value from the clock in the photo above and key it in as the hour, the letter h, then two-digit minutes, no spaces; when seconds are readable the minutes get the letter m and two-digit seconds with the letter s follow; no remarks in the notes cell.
3h19
